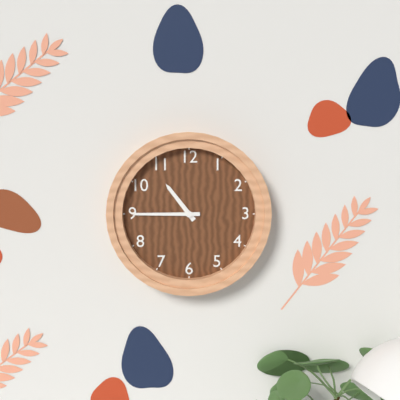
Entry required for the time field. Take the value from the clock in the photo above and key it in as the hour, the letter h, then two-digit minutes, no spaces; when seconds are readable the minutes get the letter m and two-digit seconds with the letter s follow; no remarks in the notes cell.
10h45
